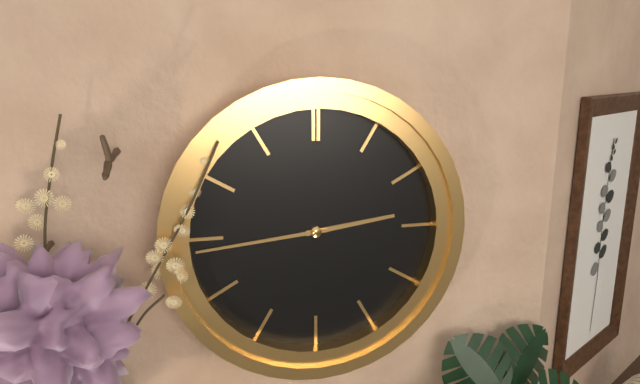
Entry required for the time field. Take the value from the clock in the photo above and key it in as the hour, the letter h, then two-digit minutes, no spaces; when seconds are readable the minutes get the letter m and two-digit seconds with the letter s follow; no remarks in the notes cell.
2h44
